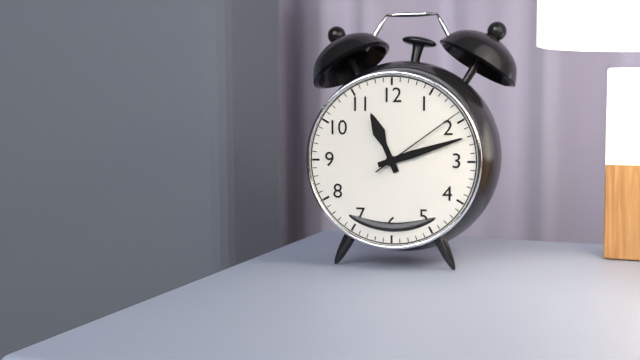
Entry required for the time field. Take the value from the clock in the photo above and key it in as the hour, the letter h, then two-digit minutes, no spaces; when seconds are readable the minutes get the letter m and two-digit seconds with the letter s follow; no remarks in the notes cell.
11h12m09s
